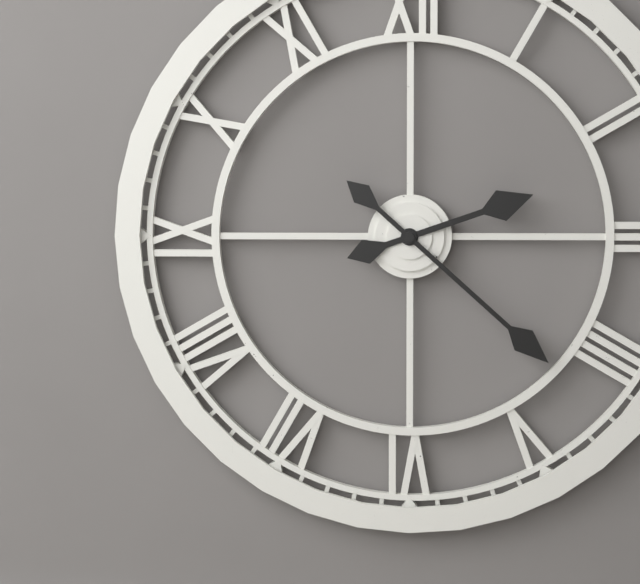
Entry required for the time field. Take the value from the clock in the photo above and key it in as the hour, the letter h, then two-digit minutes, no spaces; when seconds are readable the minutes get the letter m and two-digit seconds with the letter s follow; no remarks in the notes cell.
2h22
